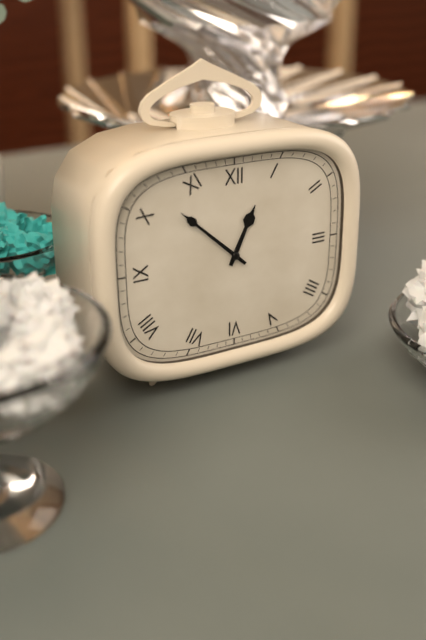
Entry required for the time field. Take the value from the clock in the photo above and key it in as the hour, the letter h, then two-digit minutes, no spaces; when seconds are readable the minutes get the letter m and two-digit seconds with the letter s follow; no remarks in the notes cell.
12h52
